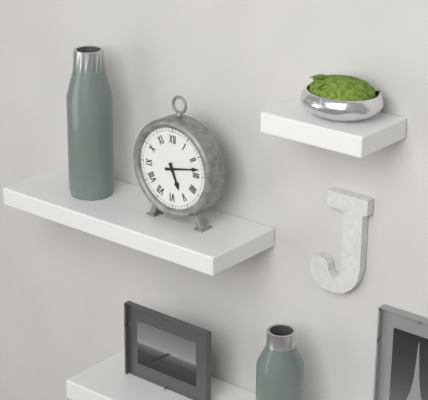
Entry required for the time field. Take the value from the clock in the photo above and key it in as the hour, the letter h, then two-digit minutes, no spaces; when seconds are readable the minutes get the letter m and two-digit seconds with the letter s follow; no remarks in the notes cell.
5h13
